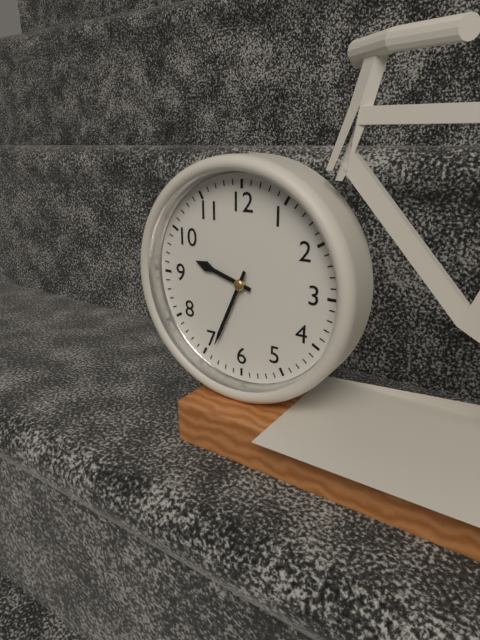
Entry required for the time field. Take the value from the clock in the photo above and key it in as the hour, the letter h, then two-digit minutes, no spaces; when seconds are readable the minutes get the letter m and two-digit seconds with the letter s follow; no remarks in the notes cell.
9h34
